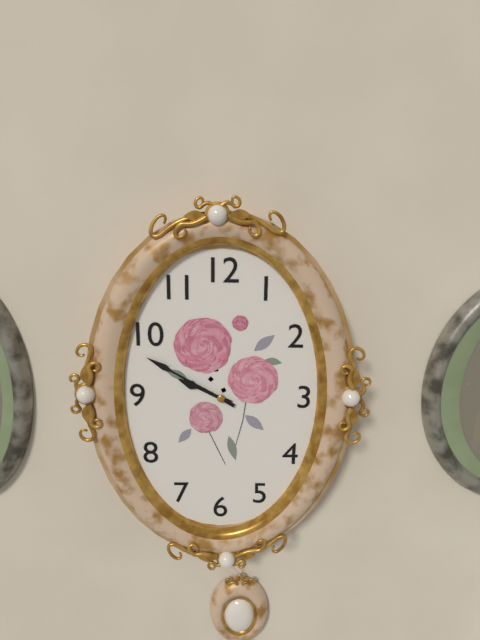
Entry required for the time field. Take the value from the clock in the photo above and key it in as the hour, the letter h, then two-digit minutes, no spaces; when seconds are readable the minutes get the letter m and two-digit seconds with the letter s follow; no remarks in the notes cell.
9h50
